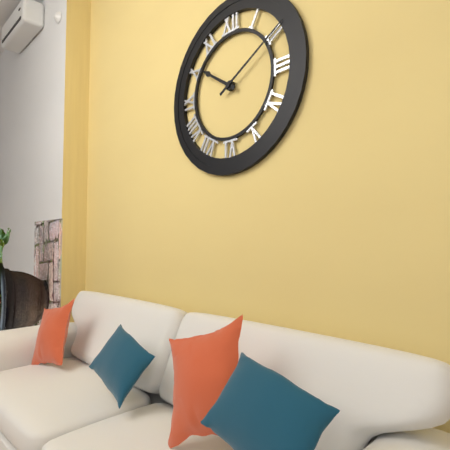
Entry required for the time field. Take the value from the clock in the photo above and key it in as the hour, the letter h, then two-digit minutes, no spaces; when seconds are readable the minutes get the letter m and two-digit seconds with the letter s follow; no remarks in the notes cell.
10h10
